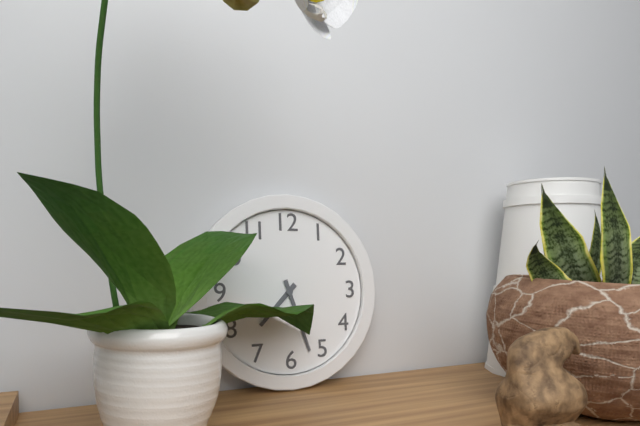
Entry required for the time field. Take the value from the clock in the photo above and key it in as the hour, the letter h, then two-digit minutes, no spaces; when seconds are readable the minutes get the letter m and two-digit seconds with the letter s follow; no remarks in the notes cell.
7h27
